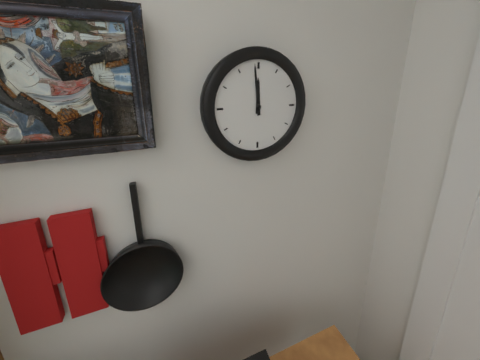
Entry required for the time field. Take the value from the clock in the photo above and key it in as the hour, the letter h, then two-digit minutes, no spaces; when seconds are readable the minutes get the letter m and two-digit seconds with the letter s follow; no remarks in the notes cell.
11h59
